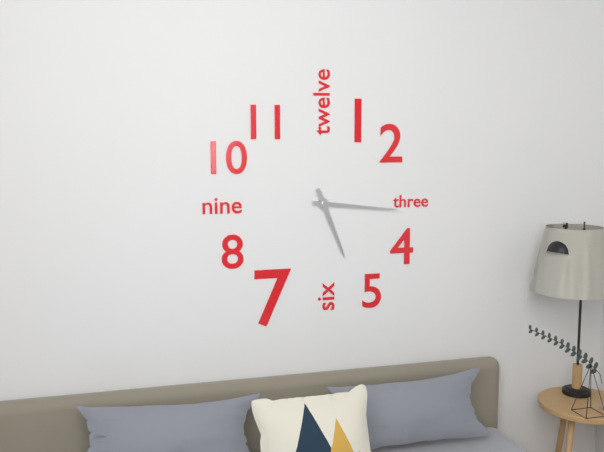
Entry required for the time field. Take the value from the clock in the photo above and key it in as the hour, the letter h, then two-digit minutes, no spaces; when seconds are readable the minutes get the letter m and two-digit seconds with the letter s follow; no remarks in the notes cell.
5h16
